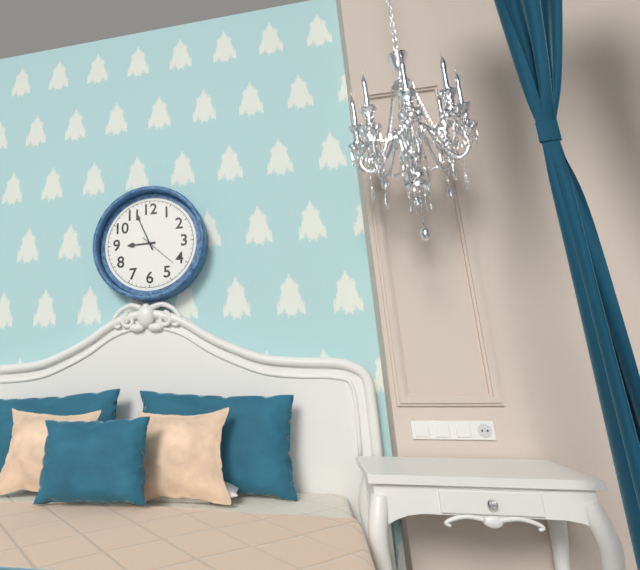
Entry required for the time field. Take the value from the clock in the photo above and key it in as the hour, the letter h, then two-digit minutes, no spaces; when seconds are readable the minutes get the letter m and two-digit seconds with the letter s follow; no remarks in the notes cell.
8h56
